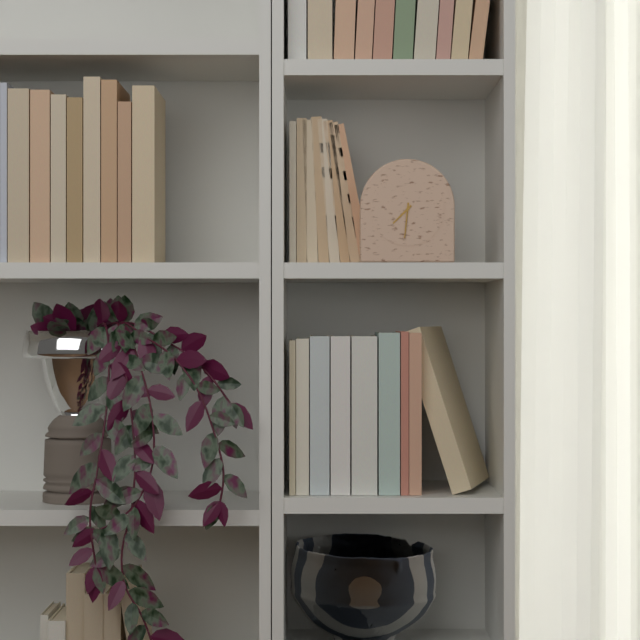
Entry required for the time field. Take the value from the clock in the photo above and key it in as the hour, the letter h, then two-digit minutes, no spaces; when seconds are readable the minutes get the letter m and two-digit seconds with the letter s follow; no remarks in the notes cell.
7h31
